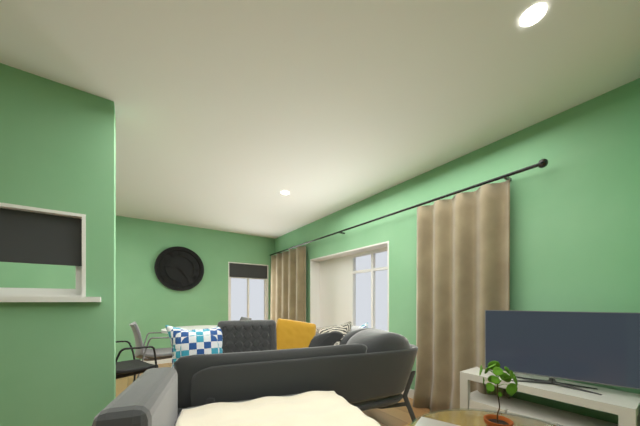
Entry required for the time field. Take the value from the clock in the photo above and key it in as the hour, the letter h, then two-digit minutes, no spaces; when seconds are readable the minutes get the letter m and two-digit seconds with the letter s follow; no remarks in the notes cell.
4h47
